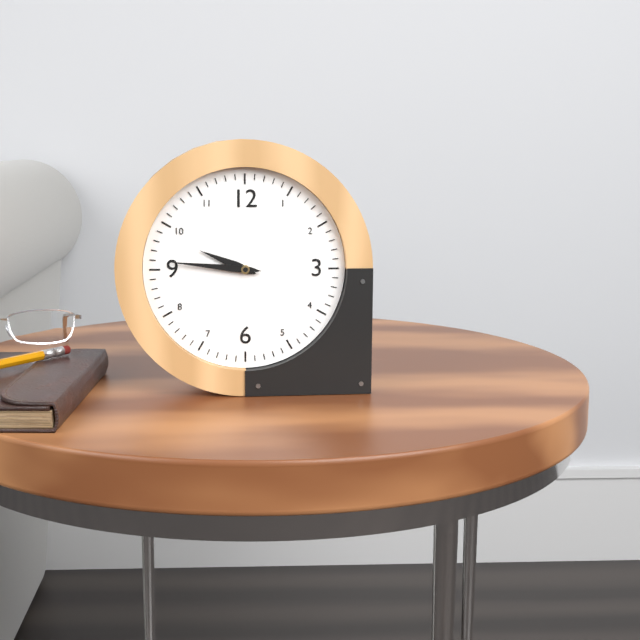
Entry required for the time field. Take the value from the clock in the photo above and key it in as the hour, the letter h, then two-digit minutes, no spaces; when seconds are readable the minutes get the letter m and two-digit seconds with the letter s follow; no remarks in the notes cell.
9h46
